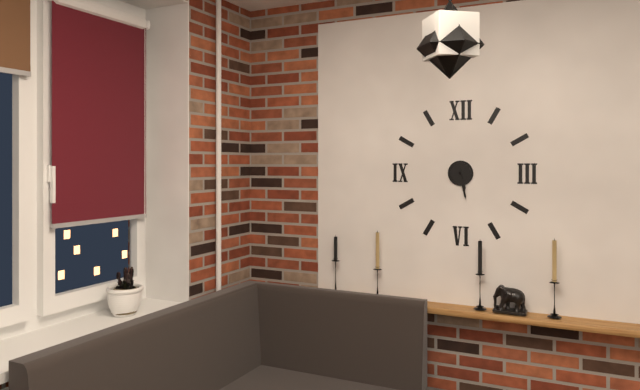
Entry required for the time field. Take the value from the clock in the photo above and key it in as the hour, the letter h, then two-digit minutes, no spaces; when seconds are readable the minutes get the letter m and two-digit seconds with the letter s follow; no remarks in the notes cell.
5h28
